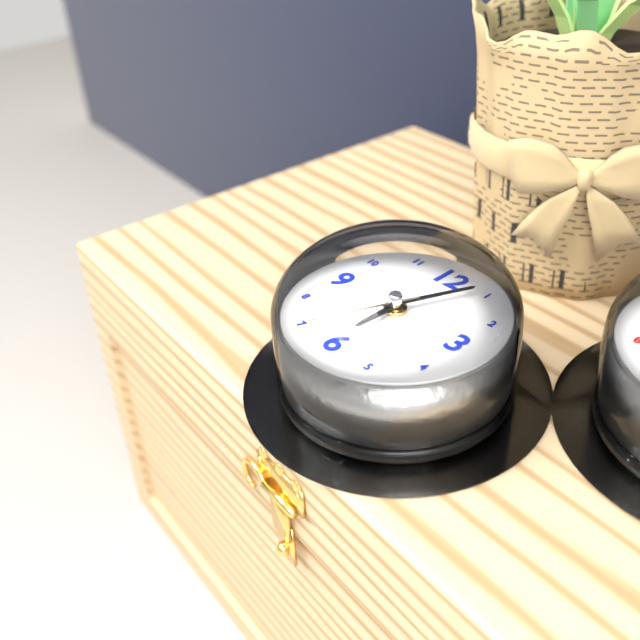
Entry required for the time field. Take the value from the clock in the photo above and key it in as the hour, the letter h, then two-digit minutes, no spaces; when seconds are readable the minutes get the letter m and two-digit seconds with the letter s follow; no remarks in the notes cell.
6h04m34s
